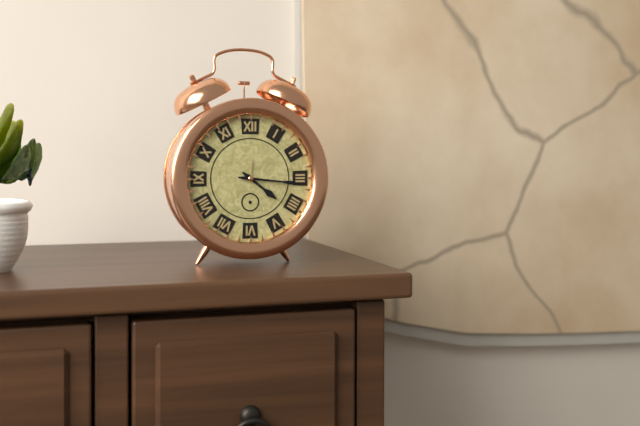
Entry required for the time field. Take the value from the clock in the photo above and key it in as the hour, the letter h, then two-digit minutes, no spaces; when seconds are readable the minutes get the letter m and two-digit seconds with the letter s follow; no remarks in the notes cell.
4h16
